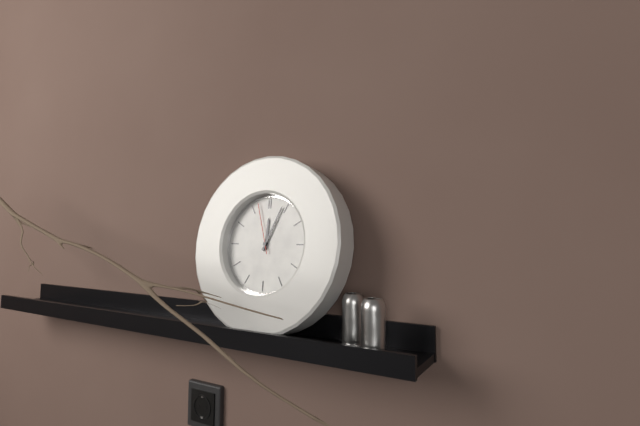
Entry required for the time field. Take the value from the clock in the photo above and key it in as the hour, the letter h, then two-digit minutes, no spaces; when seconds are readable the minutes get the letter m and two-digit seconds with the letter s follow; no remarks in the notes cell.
12h04m57s
